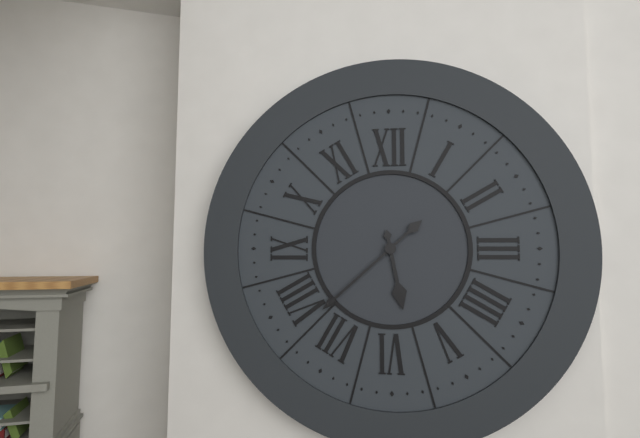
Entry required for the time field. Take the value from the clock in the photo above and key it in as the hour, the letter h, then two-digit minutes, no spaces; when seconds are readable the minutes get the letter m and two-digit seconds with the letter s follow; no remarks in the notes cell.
5h38
